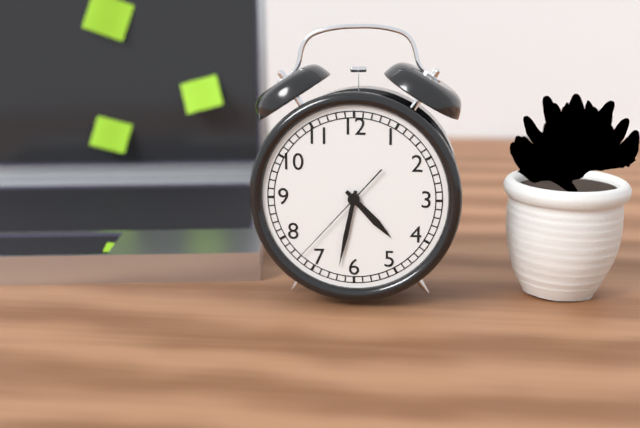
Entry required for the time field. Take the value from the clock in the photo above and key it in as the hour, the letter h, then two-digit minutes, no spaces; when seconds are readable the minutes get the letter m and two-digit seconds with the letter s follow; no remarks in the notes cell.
4h32m37s
